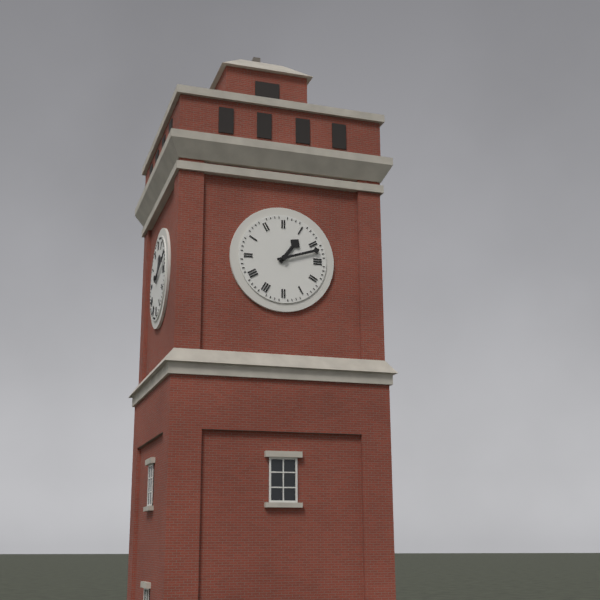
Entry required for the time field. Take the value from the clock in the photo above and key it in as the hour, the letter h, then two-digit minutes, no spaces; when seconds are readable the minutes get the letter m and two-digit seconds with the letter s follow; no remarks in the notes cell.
1h12
